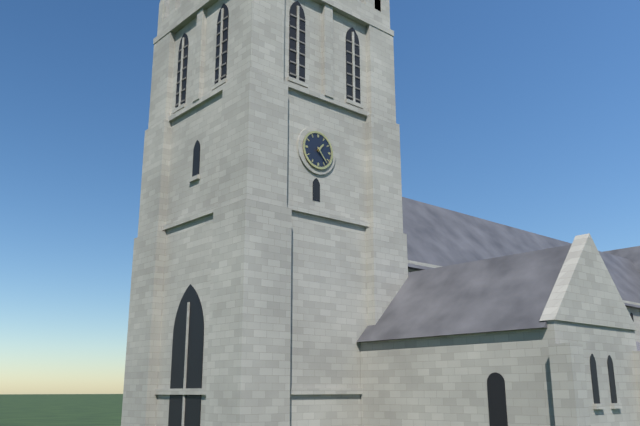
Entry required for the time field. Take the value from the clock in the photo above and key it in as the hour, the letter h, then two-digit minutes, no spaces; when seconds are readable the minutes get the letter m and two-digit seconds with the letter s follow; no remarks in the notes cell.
1h23
